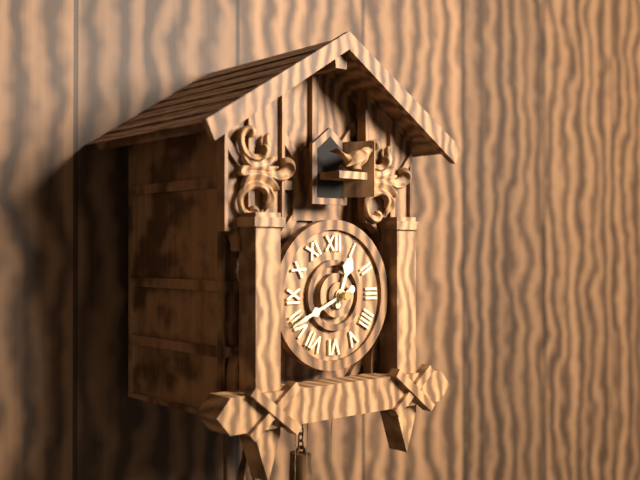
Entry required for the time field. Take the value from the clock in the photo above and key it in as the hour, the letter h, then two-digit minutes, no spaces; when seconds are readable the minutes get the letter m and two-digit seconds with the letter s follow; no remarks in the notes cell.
12h41
